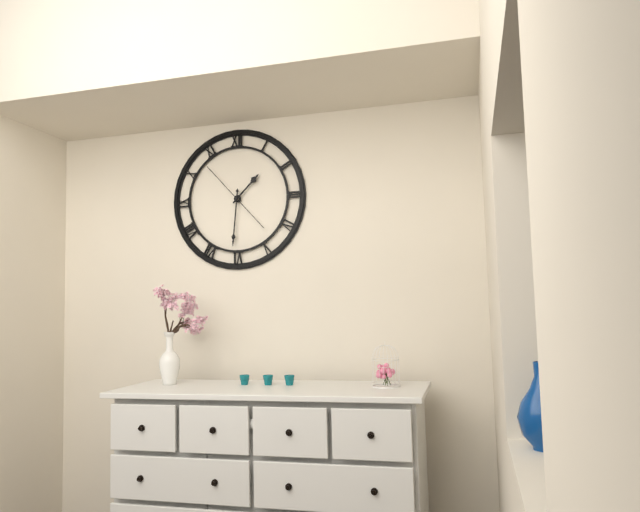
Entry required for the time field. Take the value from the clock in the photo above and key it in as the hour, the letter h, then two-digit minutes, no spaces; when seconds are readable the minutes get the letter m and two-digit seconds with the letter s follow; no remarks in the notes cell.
1h31m53s
